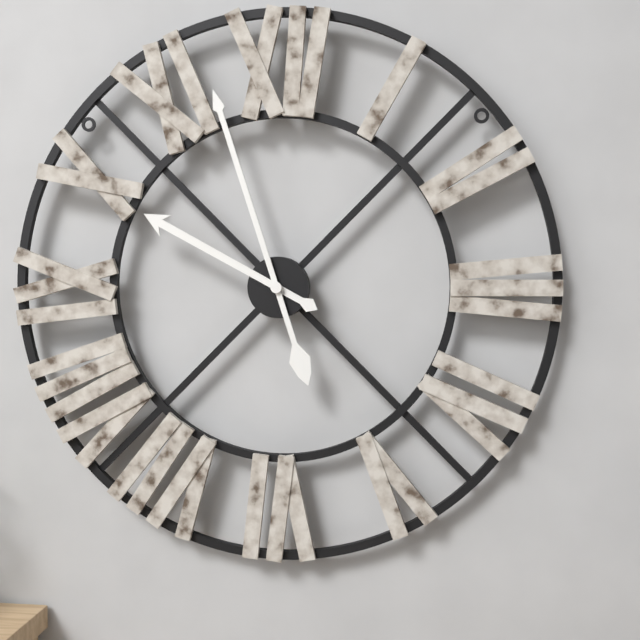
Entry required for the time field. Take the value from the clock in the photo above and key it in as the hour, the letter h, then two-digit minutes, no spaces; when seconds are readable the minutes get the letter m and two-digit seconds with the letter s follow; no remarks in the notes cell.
9h57
